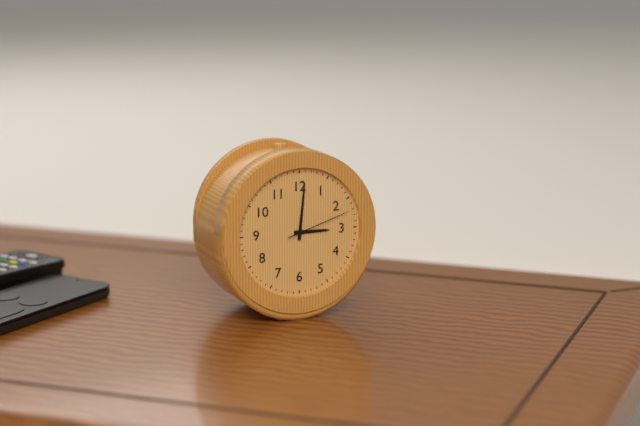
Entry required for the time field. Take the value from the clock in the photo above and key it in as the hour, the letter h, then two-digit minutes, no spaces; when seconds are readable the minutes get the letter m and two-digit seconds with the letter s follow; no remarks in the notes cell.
3h01m12s
